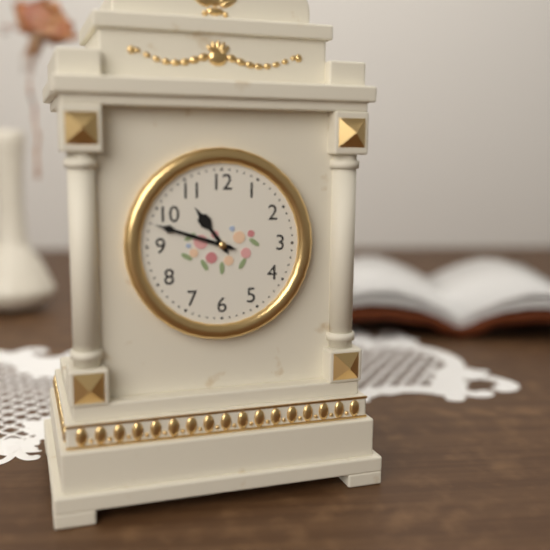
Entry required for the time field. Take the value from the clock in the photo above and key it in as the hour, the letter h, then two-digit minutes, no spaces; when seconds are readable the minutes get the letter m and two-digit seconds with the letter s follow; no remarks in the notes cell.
10h48
